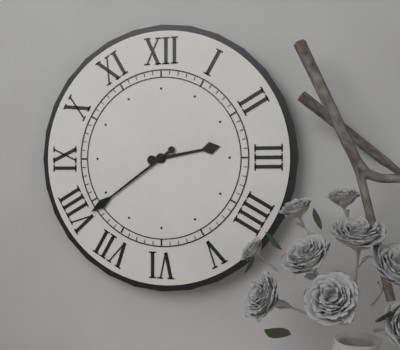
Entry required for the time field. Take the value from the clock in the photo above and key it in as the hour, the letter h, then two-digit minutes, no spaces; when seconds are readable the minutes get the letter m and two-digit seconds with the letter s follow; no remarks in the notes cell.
2h39
